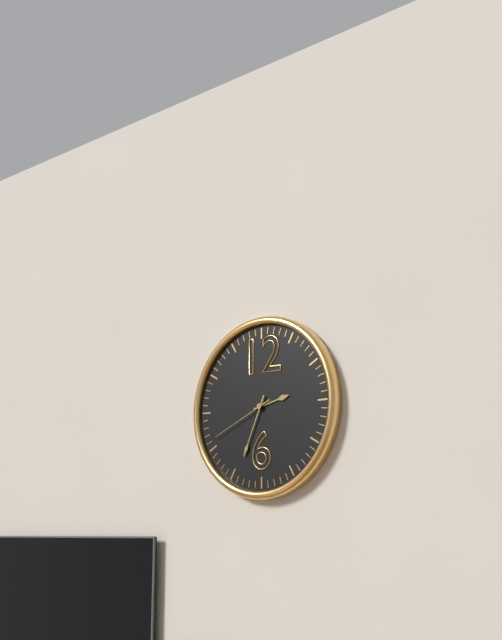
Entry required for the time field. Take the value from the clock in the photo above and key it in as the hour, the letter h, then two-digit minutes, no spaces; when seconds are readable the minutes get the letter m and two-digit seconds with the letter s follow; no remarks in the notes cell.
2h34m41s
